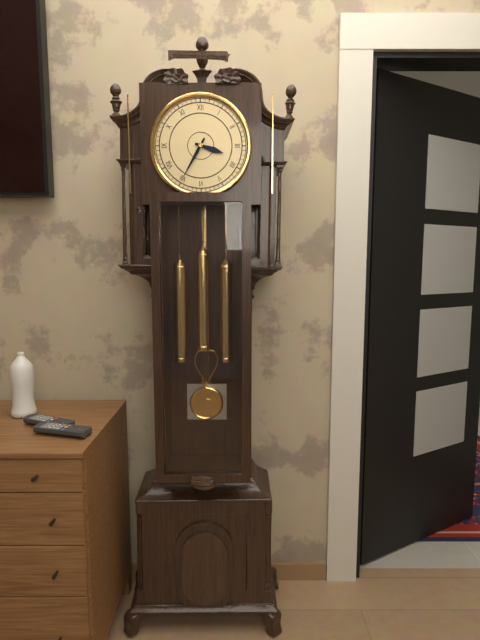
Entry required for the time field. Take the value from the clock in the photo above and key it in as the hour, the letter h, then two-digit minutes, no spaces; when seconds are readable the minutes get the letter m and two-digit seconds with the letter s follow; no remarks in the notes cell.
3h35
